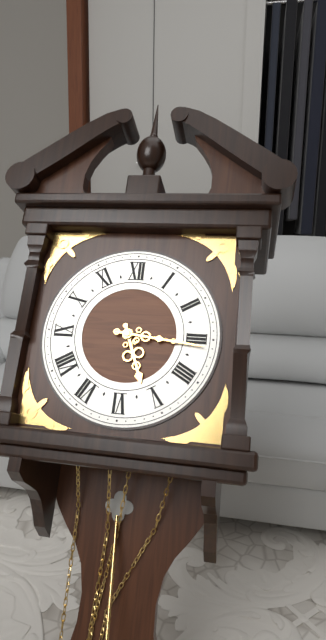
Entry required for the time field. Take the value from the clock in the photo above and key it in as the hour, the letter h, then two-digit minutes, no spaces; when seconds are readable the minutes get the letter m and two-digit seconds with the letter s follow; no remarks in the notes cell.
5h16
